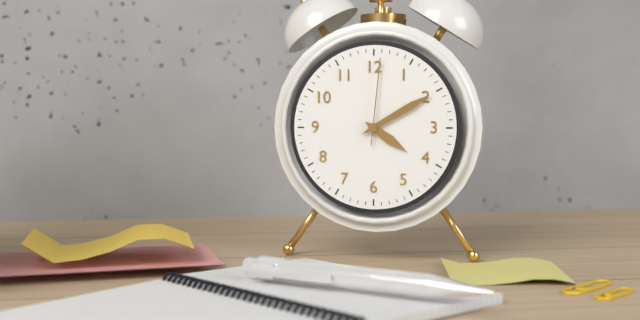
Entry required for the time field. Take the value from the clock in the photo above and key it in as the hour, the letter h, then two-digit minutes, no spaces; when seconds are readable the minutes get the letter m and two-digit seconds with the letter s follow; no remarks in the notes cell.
4h10m01s
